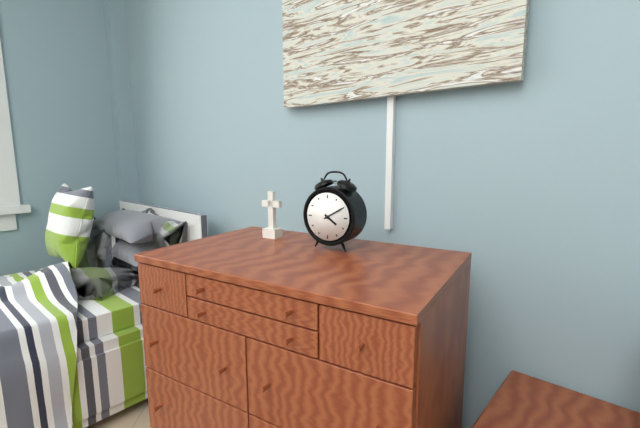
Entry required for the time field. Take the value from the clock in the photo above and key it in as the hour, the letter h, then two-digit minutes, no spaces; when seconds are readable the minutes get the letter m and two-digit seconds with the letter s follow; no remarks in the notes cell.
4h10
